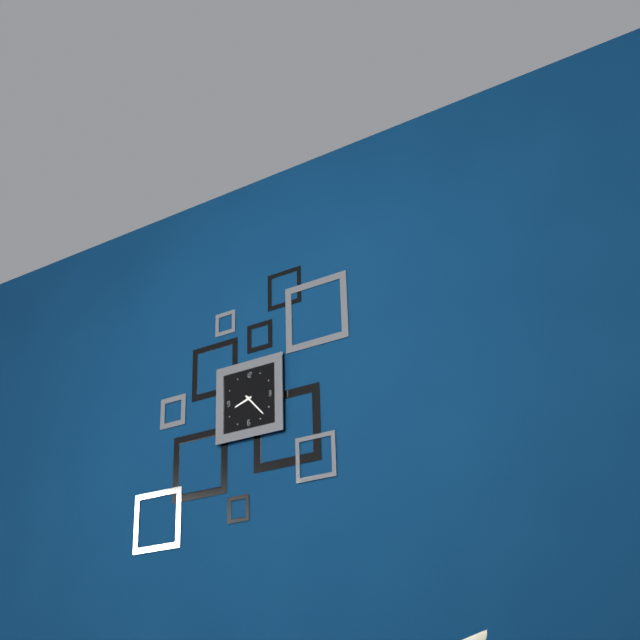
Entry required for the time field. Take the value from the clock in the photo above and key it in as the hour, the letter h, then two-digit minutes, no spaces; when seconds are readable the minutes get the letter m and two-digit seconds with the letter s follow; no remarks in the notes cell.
8h23
